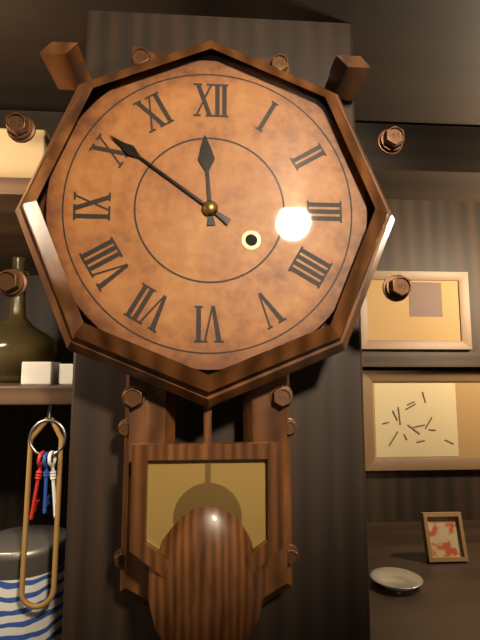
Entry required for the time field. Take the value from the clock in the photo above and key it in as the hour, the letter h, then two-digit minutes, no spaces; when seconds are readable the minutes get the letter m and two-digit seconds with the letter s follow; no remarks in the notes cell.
11h51
